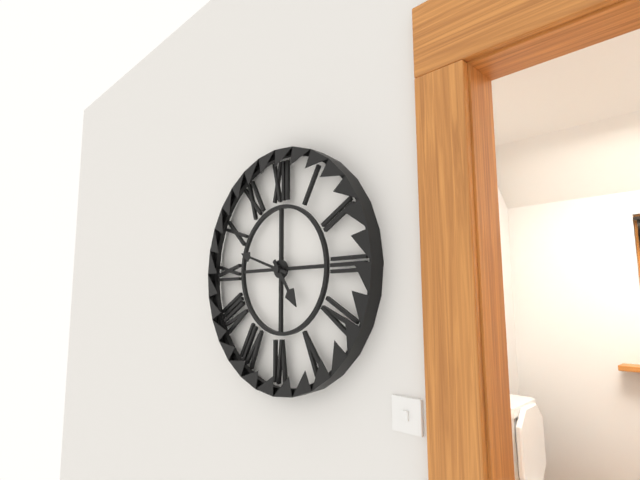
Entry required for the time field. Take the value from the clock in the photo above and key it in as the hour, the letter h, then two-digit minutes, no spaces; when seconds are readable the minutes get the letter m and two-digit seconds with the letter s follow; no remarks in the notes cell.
4h48
